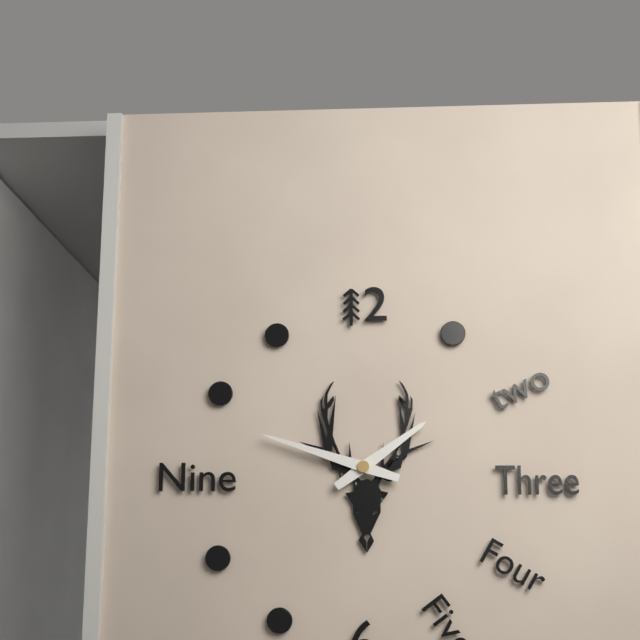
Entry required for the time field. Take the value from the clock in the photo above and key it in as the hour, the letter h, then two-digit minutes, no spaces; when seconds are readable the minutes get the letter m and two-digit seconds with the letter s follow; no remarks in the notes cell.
1h48
